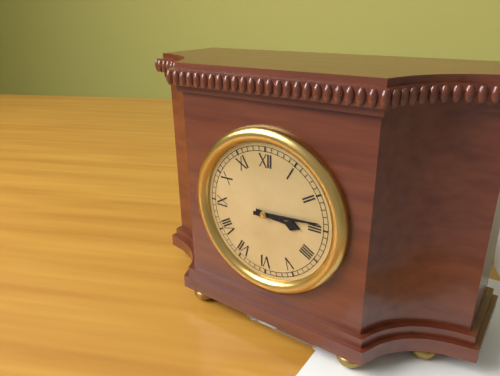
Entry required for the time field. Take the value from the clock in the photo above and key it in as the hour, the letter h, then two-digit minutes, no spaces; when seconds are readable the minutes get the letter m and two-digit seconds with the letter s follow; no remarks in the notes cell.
3h14
